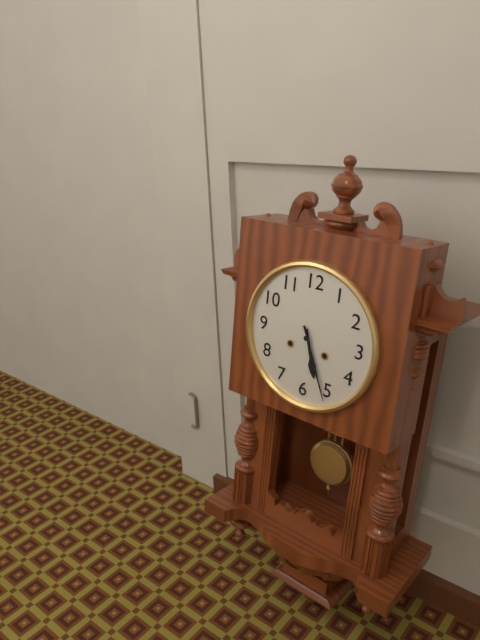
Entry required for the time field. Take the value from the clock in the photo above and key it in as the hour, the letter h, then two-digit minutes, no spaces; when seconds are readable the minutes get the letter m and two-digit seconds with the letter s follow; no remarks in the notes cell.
5h26
